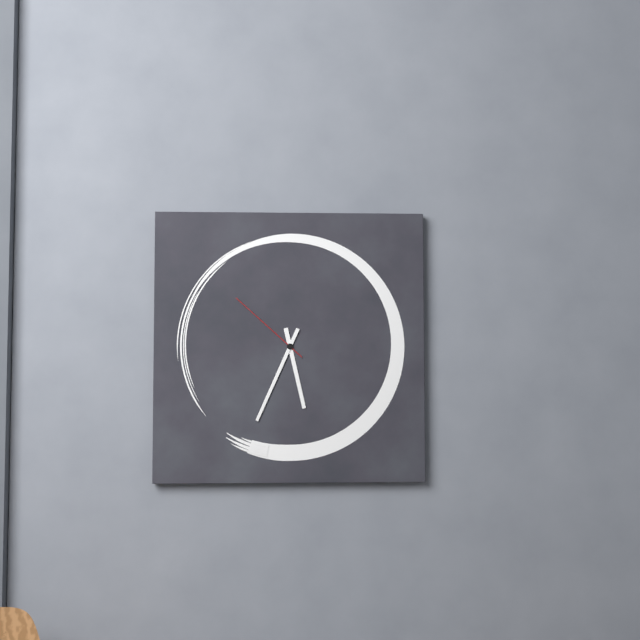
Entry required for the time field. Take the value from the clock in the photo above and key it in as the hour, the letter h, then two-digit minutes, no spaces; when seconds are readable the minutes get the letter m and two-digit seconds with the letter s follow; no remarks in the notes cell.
5h34m52s
